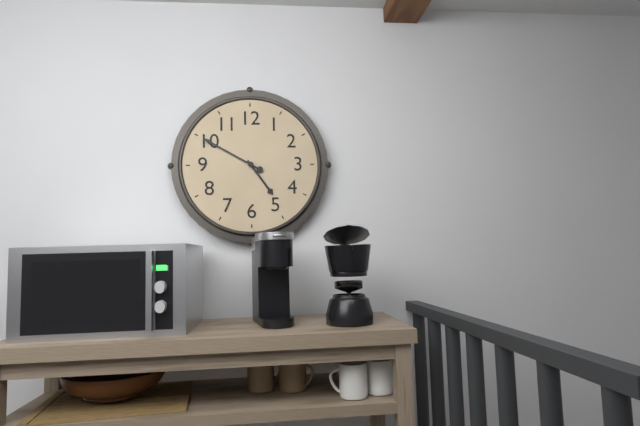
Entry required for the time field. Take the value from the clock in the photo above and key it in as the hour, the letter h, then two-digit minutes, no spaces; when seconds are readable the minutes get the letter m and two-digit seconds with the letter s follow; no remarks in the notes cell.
4h50
